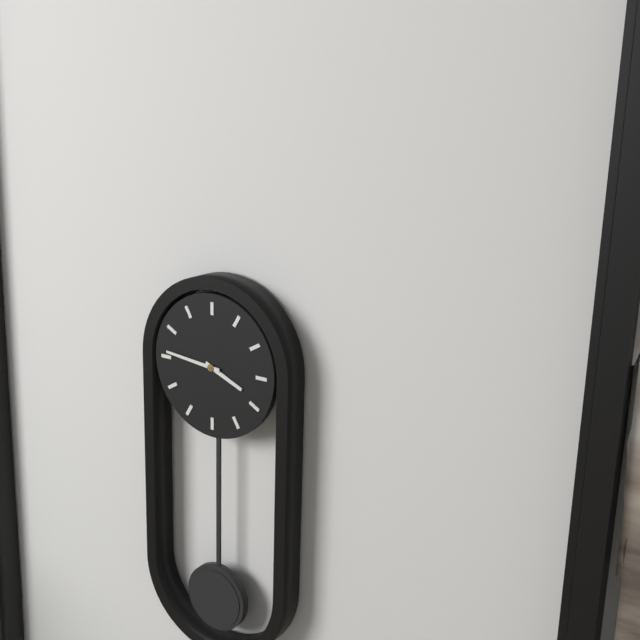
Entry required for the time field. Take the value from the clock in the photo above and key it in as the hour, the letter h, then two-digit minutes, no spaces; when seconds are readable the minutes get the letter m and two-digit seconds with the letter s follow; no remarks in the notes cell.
3h46
